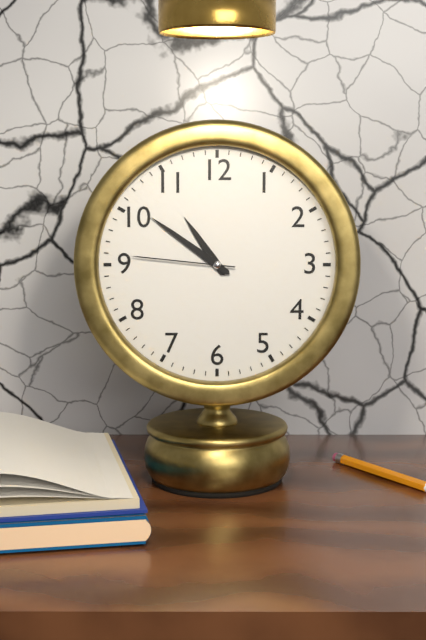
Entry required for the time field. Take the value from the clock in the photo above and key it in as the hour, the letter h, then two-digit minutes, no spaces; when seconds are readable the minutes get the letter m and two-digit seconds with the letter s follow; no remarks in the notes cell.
10h51m46s
